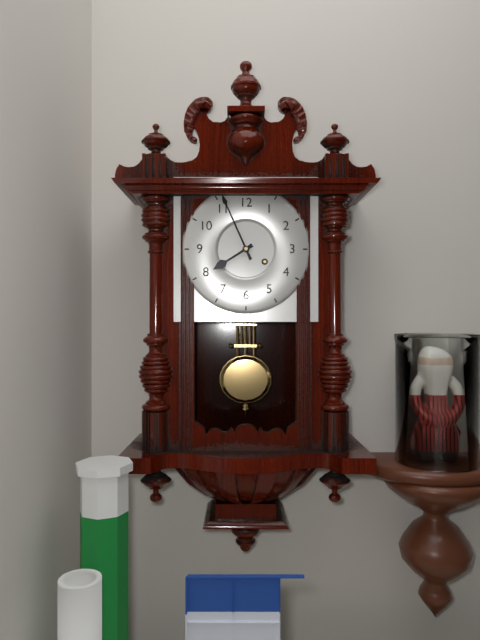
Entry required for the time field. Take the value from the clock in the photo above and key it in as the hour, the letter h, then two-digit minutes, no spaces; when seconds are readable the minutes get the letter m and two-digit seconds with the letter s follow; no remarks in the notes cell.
7h56
